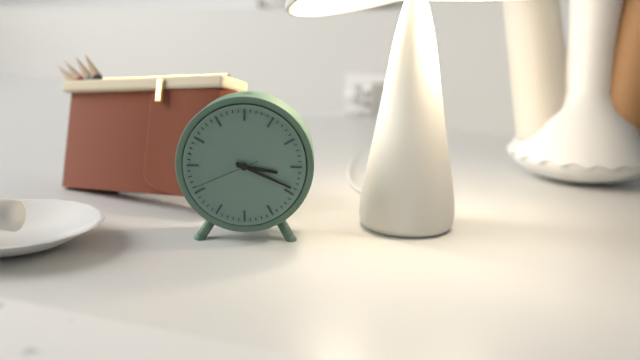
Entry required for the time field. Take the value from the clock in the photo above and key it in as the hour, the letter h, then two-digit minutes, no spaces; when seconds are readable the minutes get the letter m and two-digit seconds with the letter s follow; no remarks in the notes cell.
3h19m41s
